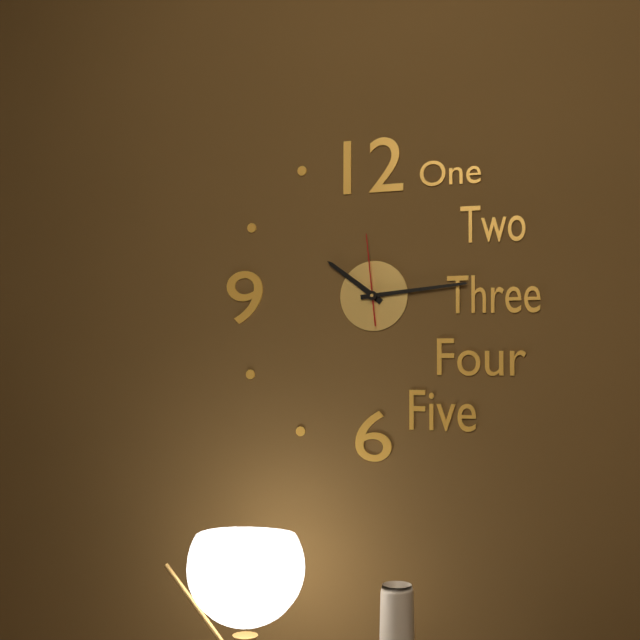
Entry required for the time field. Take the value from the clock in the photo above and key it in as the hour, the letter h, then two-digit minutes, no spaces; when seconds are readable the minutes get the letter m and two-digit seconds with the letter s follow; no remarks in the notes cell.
10h14m59s
